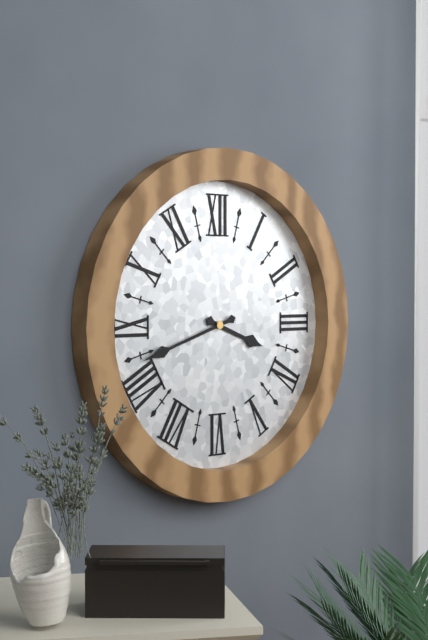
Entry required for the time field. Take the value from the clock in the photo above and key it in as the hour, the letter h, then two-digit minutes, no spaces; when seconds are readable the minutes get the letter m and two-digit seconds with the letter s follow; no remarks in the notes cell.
3h42
